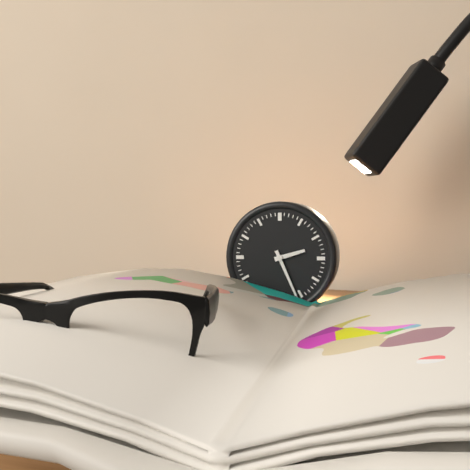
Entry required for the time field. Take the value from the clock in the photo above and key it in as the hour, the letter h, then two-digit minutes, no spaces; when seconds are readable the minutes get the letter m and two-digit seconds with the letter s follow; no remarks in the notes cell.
2h26
